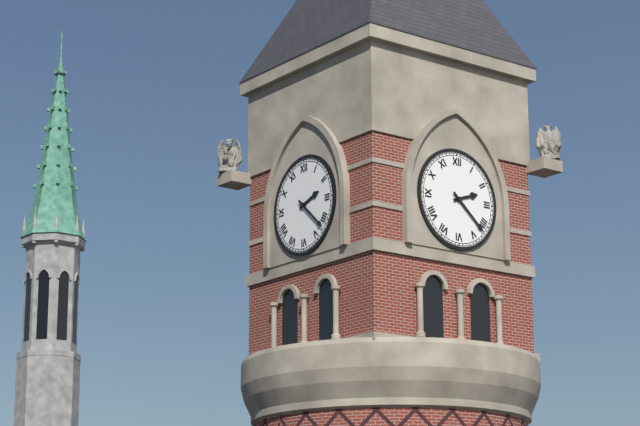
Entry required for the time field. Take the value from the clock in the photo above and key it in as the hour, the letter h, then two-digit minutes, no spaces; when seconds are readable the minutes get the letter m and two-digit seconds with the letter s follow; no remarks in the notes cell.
2h22
